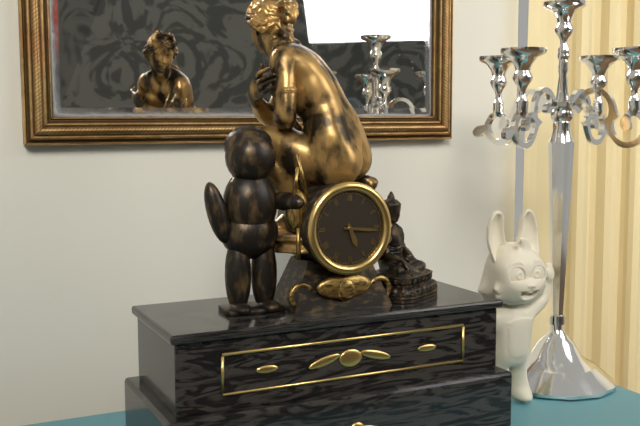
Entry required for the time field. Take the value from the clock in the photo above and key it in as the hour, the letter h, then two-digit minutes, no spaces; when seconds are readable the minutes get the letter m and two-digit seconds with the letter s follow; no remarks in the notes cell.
5h16
